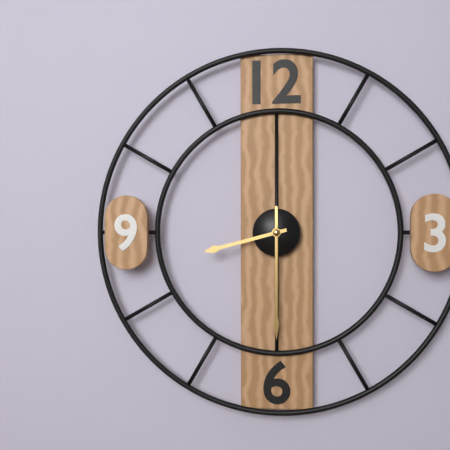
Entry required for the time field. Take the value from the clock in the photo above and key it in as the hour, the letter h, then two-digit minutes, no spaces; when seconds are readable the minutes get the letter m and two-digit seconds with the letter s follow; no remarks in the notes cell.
8h30
